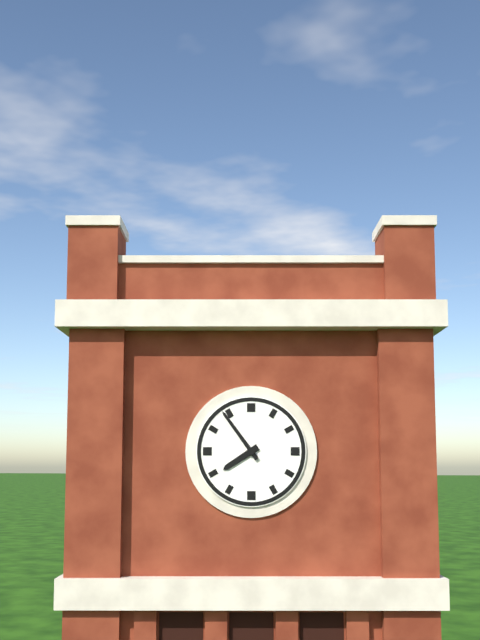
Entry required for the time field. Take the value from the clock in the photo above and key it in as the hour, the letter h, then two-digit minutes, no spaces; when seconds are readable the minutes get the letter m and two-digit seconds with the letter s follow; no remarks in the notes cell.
7h54
